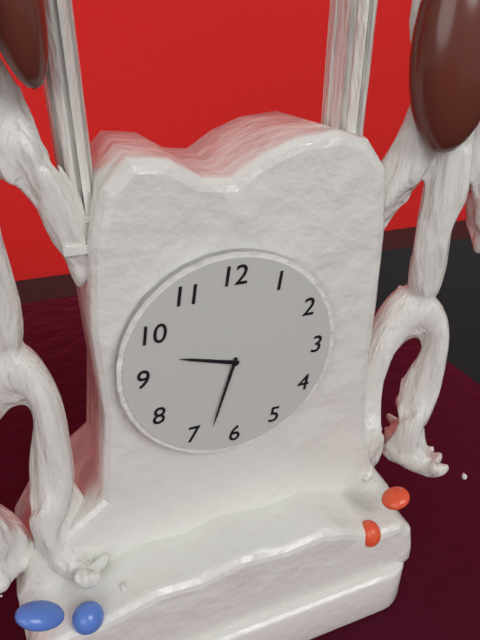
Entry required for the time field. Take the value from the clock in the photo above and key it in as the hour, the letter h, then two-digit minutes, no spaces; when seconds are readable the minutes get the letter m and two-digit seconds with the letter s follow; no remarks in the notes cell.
9h33
